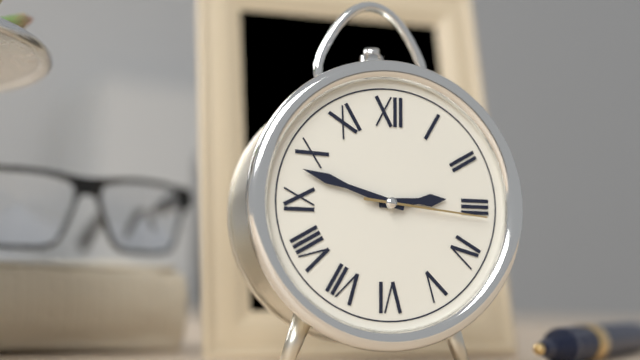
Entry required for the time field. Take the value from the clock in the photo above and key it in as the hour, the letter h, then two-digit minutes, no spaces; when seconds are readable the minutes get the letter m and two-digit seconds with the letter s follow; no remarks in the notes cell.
2h48m16s
